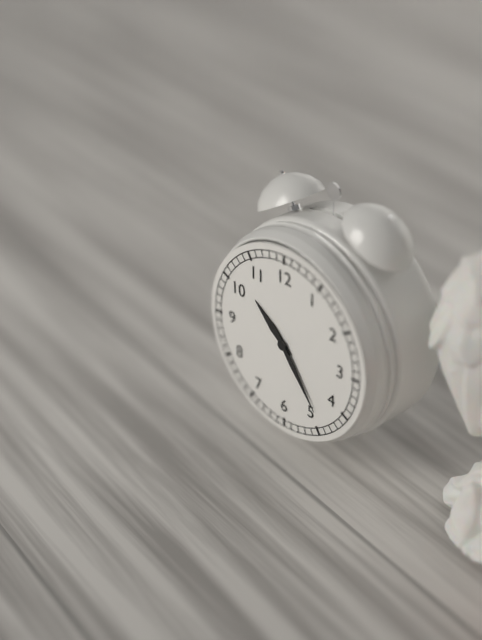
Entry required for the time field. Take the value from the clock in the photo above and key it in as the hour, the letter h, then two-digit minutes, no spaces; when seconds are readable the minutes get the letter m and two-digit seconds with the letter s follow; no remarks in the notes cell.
10h24
